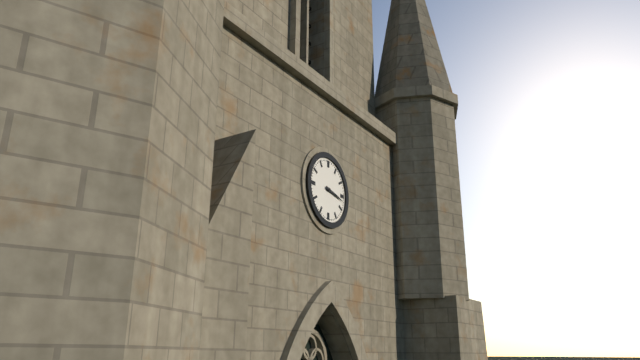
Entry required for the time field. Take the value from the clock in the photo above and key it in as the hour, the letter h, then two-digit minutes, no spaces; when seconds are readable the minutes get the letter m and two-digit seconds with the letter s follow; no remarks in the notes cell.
3h17
